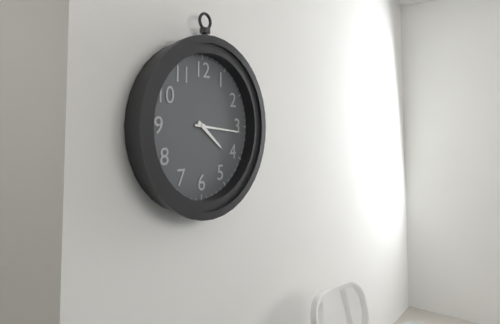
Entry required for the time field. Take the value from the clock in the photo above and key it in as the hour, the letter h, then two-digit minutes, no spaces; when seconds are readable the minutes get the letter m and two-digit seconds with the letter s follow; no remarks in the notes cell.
4h16
